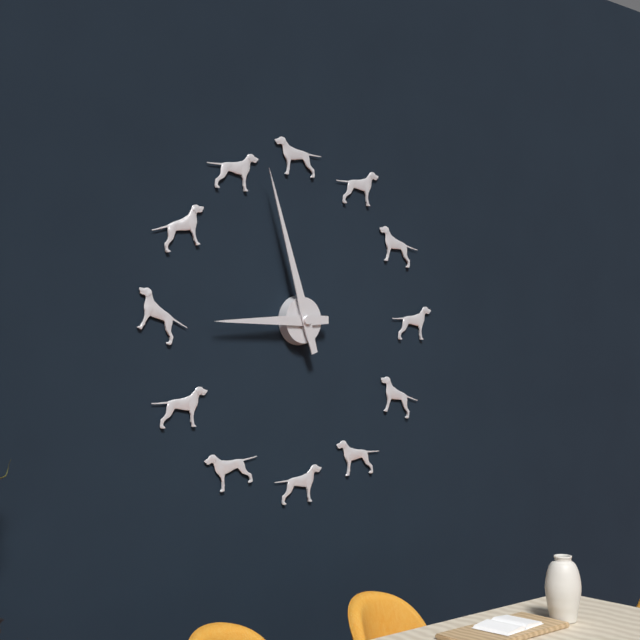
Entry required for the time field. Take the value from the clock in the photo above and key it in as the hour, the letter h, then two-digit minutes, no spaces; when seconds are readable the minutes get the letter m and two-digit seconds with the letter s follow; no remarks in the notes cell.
8h57
